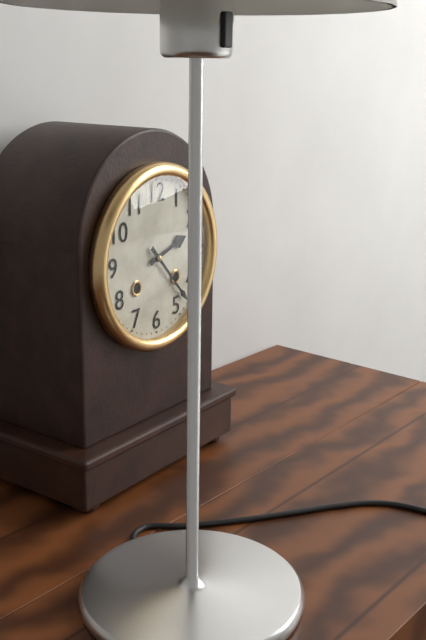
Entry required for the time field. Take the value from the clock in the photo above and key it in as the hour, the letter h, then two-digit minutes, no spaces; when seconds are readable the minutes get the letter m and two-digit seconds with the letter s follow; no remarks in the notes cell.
2h23
